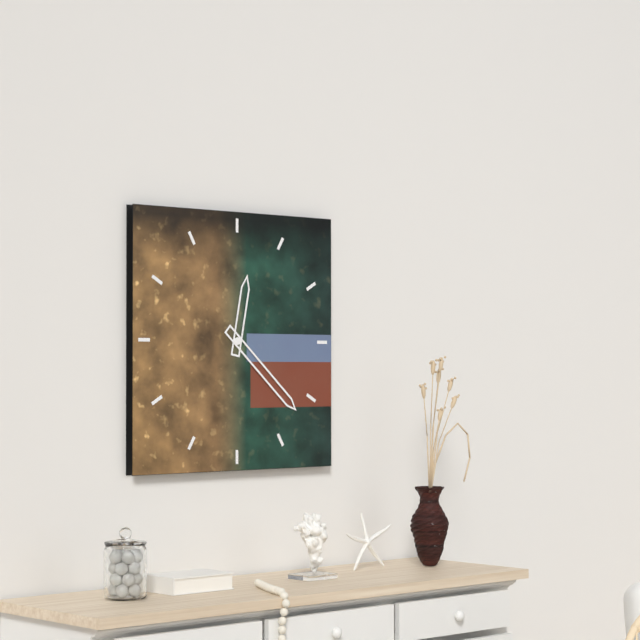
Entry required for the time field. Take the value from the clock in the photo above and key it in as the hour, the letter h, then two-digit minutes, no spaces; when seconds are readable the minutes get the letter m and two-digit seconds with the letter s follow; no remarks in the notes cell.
12h22
